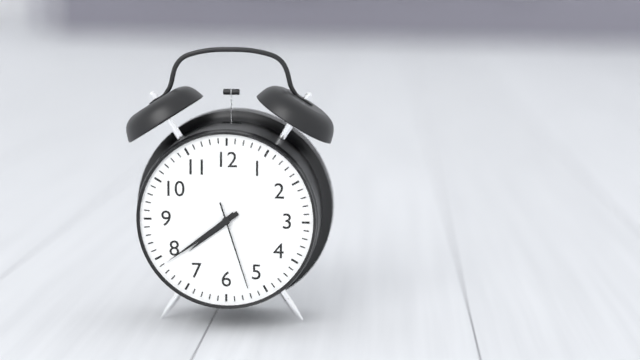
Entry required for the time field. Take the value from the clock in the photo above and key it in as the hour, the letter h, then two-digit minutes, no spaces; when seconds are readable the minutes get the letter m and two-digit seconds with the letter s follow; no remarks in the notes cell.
7h39m27s
